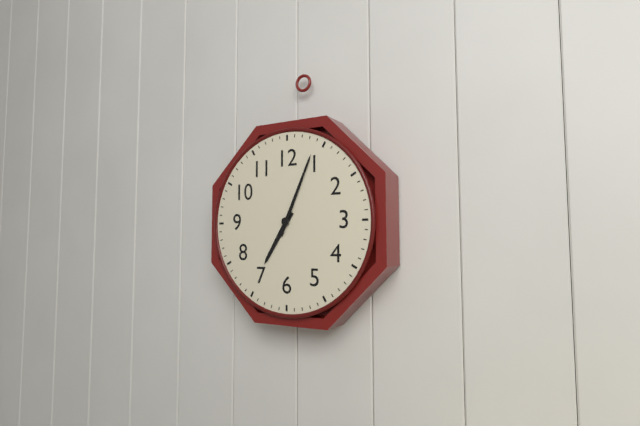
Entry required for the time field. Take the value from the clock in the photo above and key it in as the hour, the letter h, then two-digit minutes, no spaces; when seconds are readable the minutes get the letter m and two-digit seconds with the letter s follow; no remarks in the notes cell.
7h04
